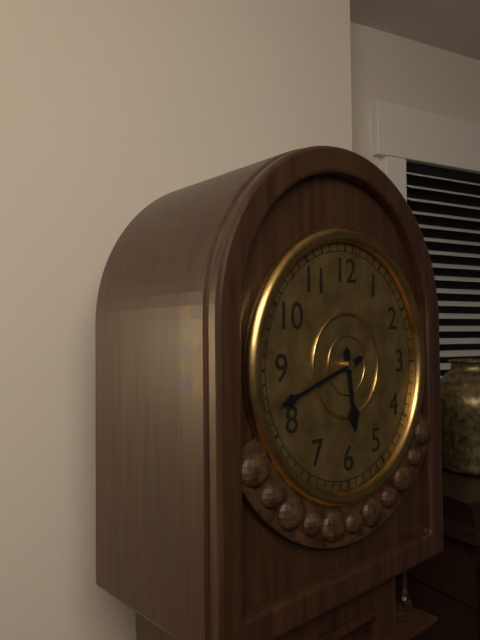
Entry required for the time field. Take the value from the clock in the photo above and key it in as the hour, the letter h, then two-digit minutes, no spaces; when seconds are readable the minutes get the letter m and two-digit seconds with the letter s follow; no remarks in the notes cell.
5h42
